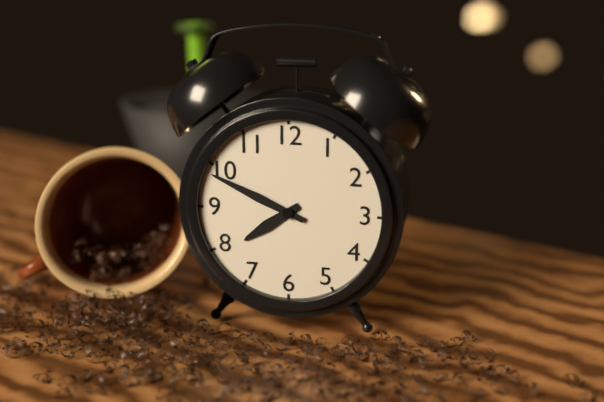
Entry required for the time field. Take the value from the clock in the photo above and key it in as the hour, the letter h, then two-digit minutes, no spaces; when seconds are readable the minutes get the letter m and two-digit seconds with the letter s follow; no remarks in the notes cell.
7h49
